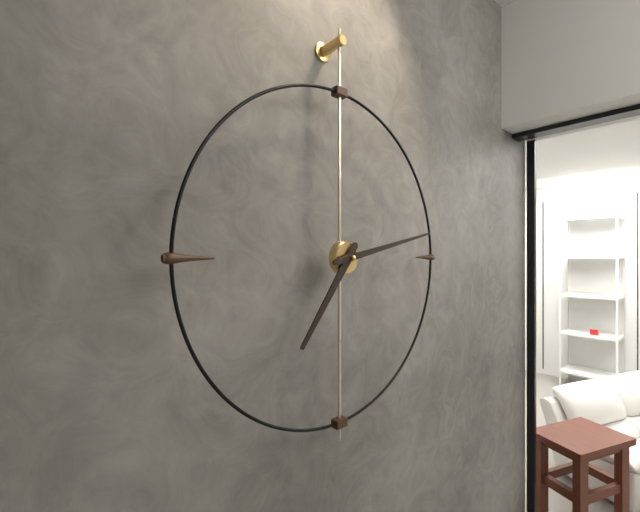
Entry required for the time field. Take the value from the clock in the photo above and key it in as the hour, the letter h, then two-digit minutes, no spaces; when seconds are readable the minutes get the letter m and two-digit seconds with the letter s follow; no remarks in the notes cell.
7h13
